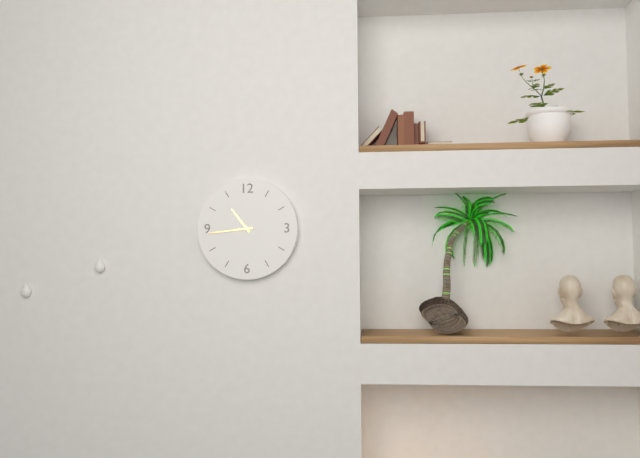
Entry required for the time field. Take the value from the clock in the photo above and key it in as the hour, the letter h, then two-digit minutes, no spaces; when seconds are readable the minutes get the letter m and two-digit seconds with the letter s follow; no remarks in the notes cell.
10h44
